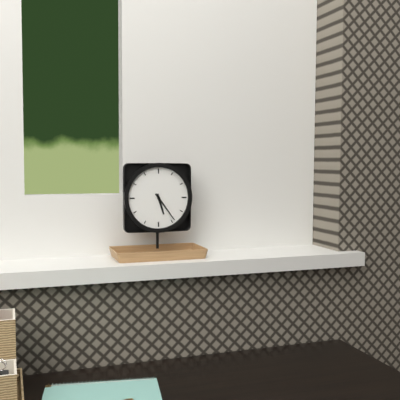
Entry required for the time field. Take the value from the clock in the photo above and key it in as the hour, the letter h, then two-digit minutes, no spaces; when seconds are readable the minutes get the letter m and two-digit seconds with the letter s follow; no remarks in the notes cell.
5h24
